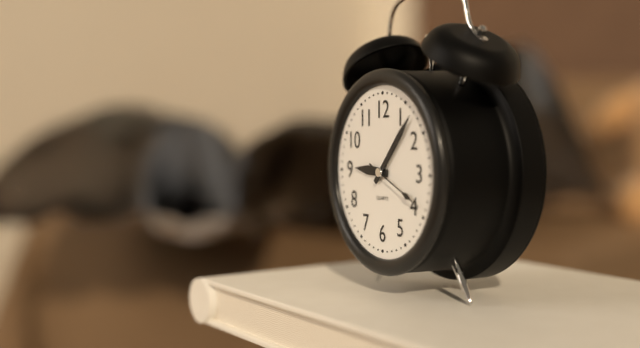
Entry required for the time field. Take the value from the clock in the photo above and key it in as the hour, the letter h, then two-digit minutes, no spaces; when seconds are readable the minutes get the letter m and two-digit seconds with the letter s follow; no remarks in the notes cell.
9h07m19s
